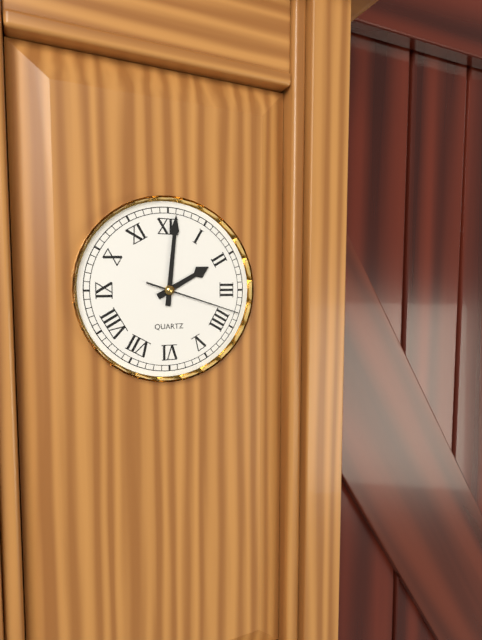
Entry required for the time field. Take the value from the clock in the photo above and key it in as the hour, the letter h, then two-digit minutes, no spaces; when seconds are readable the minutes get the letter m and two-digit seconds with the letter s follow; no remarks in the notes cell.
2h01m18s
